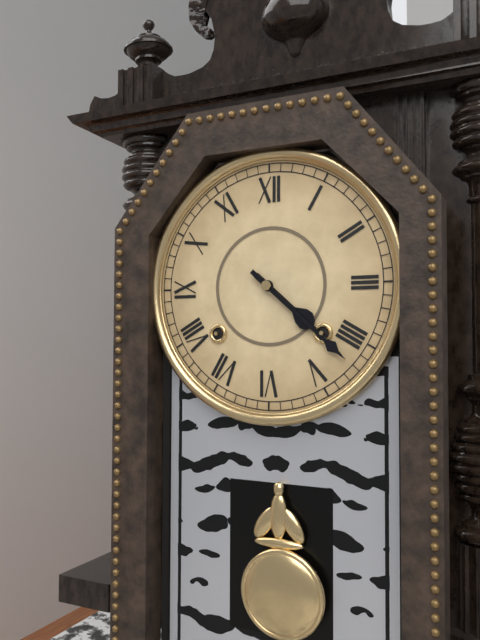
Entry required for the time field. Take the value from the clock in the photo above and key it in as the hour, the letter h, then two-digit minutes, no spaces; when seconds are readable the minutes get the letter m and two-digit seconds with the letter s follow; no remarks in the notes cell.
4h22
